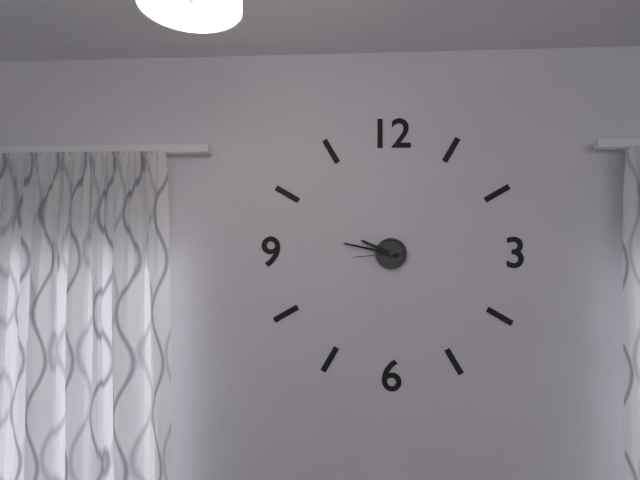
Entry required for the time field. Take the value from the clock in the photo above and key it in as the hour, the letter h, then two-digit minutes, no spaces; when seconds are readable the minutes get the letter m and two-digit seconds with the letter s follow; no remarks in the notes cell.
9h47
